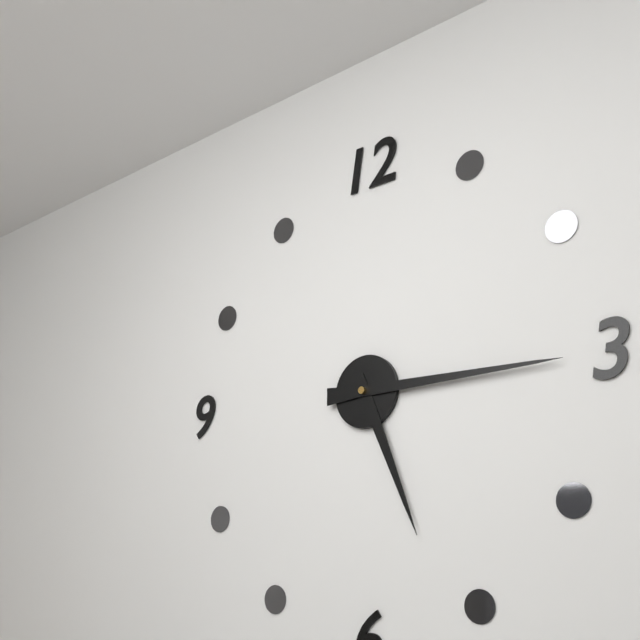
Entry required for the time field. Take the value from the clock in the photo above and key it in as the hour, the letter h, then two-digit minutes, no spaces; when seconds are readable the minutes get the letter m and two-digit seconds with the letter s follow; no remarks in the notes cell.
5h15
